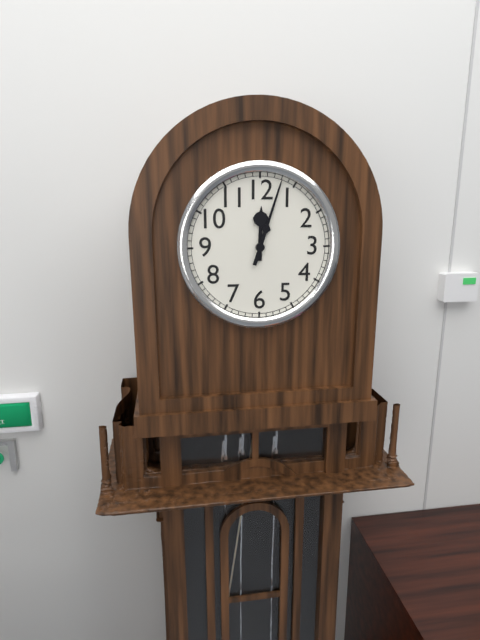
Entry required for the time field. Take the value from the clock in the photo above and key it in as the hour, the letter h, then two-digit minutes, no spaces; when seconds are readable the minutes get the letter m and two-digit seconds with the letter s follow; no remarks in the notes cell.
12h03
